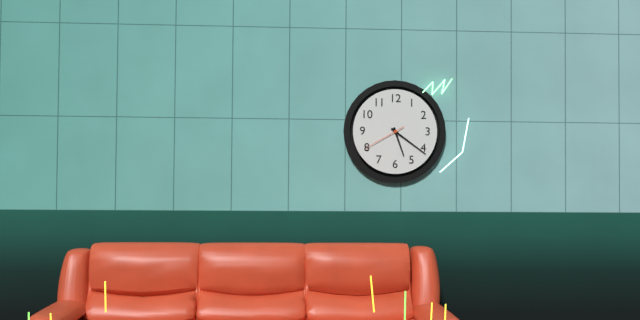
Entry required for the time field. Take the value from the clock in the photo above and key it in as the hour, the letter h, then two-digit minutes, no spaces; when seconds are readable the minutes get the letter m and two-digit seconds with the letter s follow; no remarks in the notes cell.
5h21
